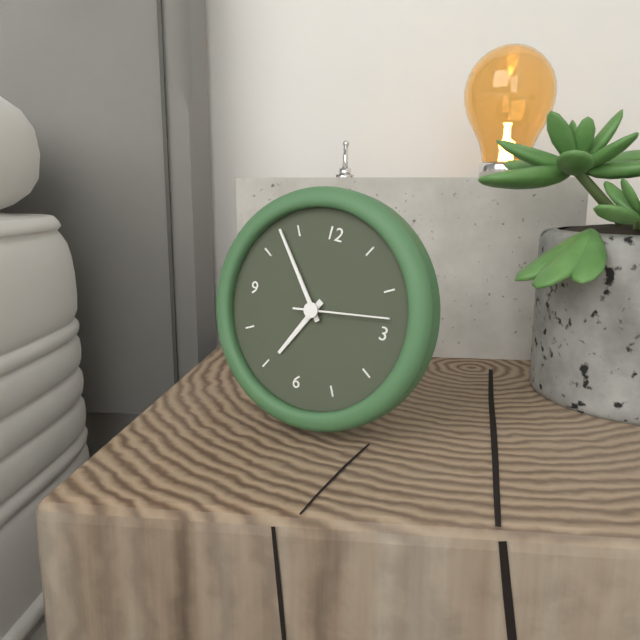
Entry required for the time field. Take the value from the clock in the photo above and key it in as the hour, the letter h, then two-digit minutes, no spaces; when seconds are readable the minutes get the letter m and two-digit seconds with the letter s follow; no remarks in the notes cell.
6h53m13s
